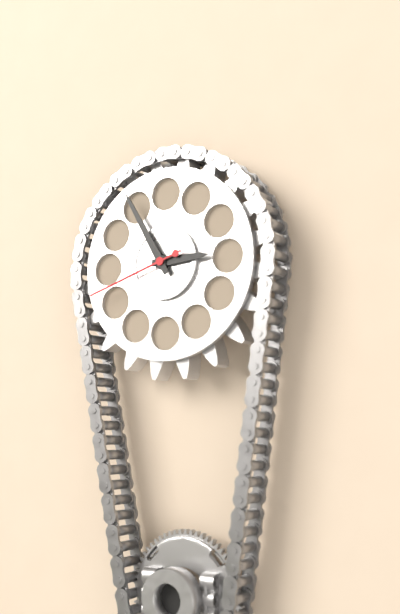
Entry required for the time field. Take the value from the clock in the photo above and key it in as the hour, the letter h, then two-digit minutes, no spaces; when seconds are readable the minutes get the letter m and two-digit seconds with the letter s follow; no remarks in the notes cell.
2h55m42s
